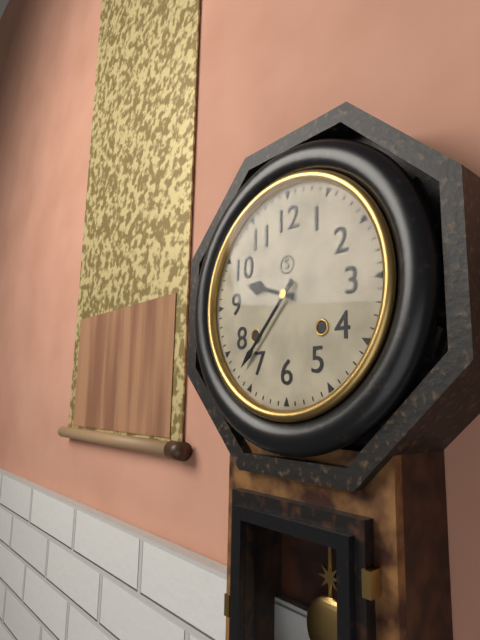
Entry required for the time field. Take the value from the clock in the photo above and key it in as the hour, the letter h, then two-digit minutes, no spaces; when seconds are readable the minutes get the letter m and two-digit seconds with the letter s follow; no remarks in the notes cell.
9h37
